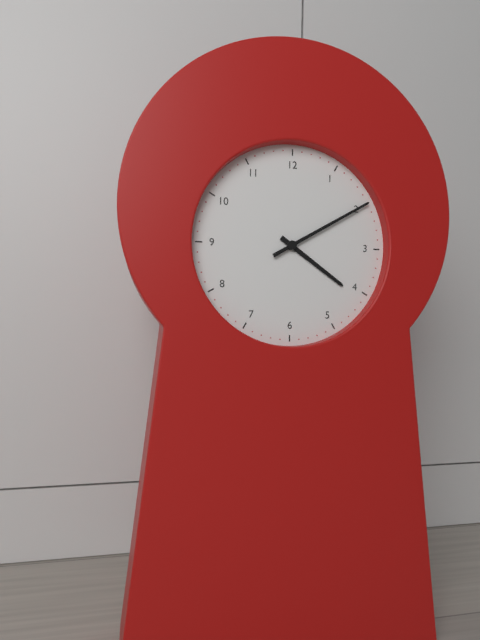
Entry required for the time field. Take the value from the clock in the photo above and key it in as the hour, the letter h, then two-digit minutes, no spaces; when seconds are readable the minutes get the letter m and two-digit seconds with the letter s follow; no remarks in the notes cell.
4h10
